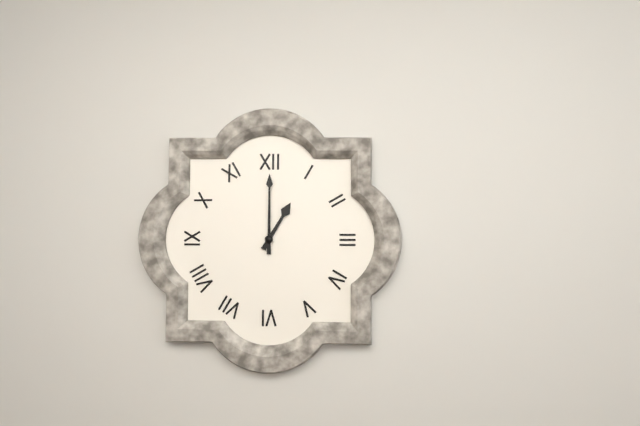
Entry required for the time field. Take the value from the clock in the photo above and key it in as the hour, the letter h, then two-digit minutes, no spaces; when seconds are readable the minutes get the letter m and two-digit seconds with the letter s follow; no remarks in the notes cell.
1h00
